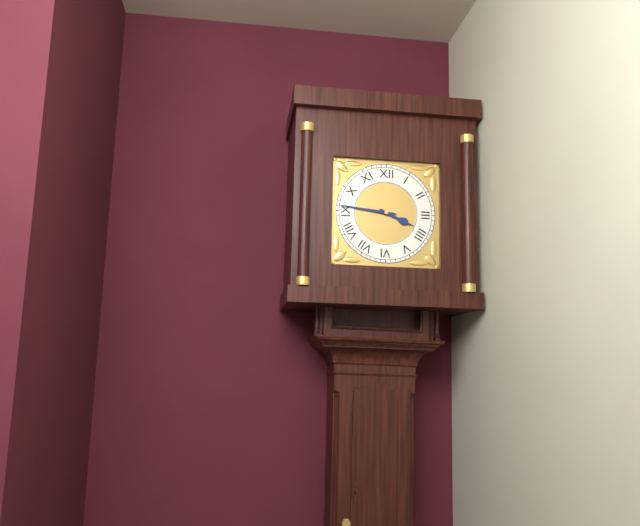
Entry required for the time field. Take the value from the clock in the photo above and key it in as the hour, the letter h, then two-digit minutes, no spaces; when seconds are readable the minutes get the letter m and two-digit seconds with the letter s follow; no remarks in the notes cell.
3h46
